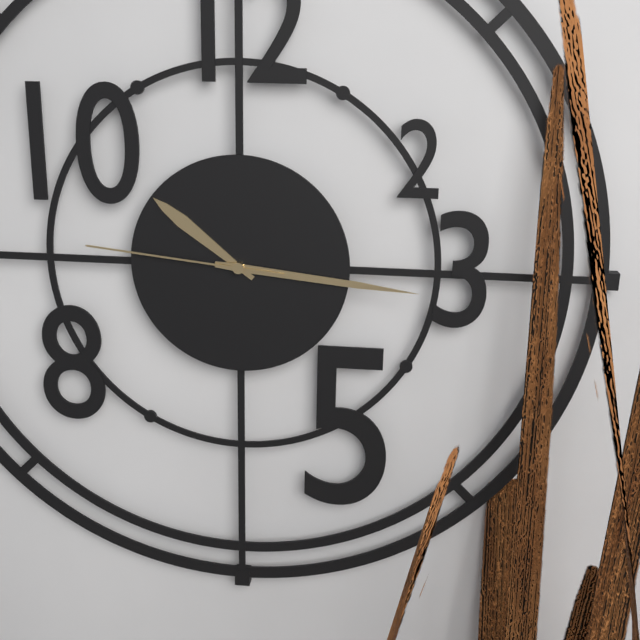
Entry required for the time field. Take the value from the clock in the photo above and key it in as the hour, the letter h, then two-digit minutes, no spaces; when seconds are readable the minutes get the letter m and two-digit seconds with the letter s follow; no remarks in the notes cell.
10h16m46s
